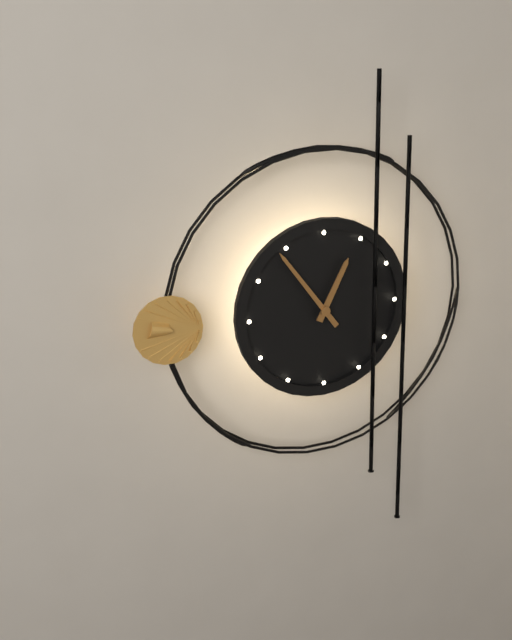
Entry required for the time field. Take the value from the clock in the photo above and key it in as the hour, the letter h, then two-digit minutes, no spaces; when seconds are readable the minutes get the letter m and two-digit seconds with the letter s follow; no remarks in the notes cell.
12h54
